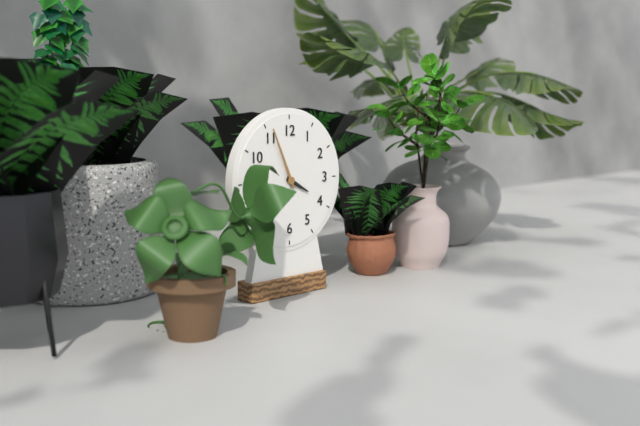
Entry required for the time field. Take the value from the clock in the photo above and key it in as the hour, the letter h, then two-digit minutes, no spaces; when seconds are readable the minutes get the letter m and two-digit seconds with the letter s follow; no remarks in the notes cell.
3h56
